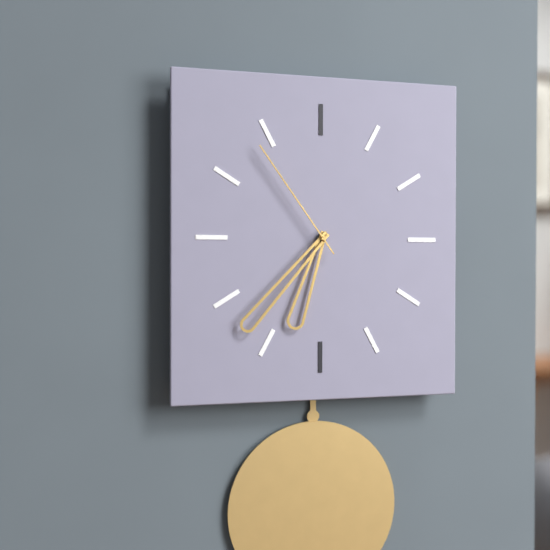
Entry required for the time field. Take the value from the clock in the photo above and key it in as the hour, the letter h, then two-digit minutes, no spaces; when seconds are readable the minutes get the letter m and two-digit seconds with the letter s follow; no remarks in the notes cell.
6h37m54s
